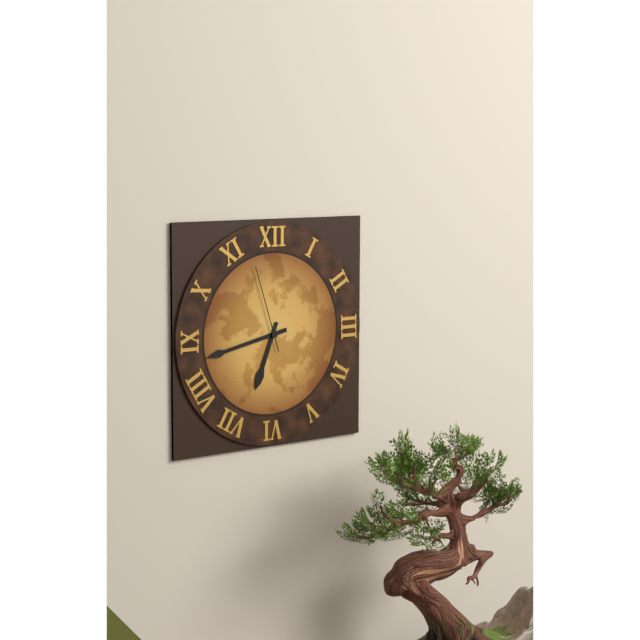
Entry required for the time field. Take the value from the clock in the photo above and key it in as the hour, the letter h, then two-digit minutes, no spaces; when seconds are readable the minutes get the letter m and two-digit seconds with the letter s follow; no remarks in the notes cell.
6h43m57s
